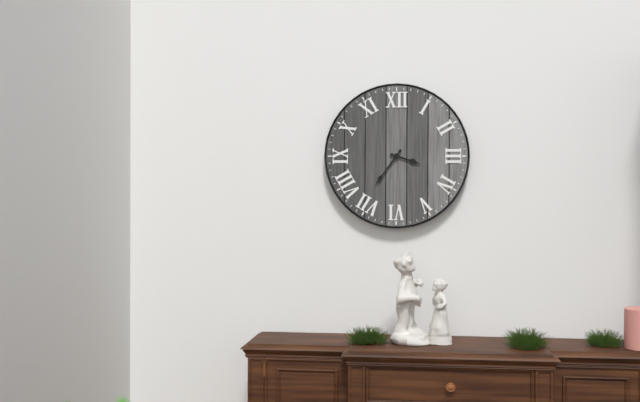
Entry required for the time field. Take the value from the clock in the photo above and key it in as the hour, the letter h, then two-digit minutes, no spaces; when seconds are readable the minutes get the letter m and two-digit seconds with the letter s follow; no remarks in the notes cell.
3h36
